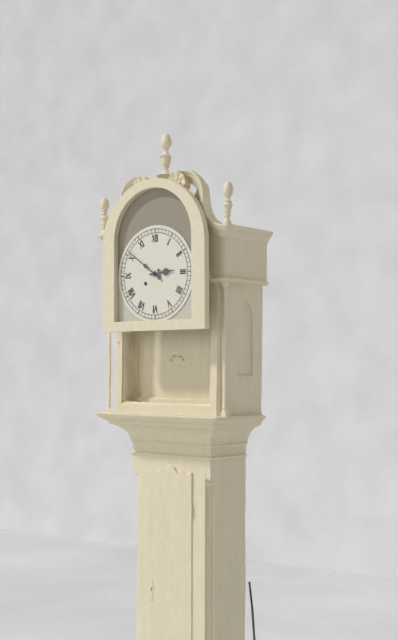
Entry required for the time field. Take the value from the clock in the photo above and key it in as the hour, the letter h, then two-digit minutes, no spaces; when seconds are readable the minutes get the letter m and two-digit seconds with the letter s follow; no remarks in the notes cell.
2h51
